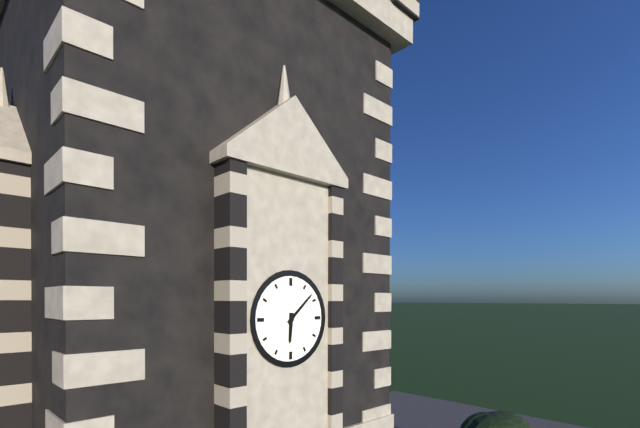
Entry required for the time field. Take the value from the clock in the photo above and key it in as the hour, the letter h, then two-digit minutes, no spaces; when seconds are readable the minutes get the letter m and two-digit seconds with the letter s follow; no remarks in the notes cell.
6h08
